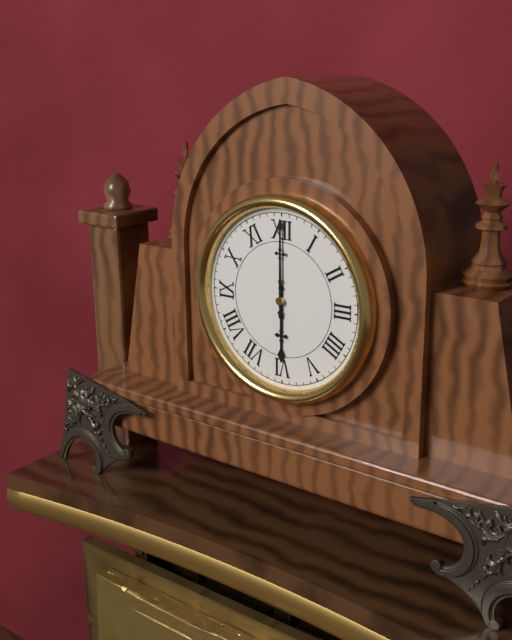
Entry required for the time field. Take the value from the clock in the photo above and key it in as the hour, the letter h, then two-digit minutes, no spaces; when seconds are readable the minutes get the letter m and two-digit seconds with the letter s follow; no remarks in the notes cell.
6h00
